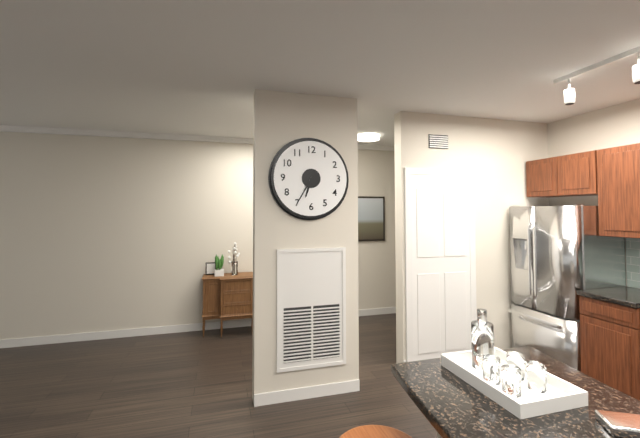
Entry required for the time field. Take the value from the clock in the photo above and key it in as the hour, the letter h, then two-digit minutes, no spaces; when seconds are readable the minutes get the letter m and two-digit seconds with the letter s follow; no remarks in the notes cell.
6h35
